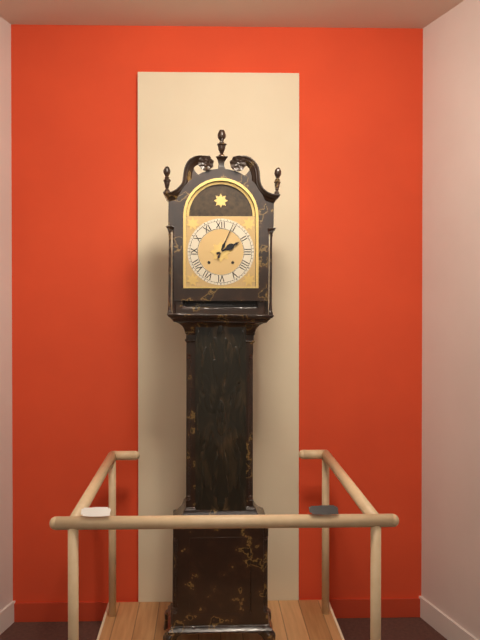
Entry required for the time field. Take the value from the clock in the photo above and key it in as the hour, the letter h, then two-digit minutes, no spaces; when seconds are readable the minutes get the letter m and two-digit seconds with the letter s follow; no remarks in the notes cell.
2h04
